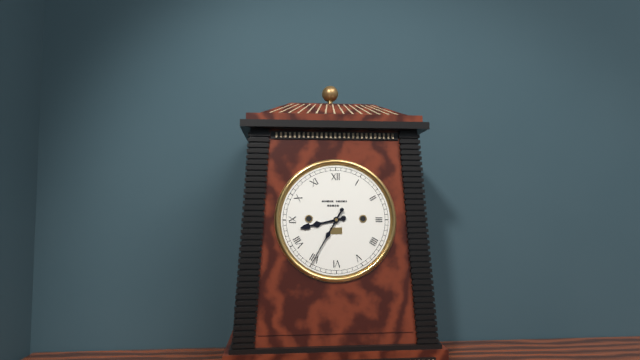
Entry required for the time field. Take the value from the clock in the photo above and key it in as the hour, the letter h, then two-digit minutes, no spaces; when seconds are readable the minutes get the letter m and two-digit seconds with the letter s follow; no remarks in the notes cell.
8h35
